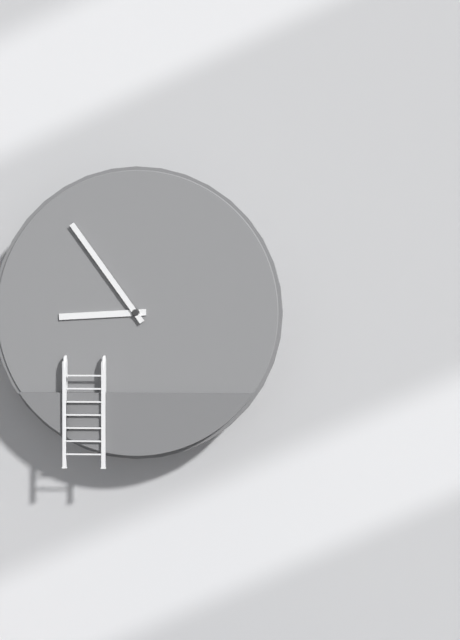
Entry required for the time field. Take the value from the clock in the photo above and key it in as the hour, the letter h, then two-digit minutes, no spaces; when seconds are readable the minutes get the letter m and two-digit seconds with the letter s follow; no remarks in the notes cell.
8h54
